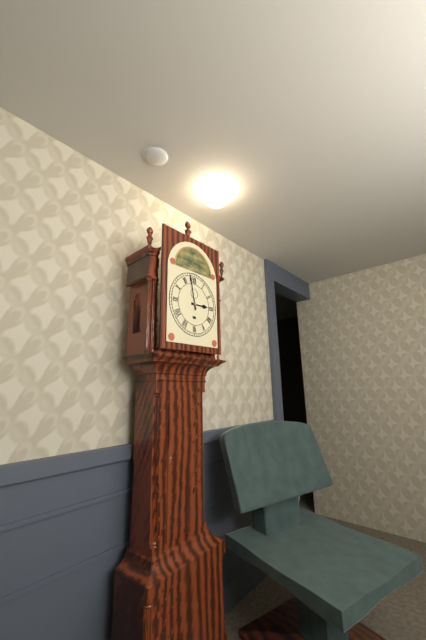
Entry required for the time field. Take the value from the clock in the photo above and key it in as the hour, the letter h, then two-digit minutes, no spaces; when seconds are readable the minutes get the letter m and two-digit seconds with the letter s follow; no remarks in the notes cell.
2h58
